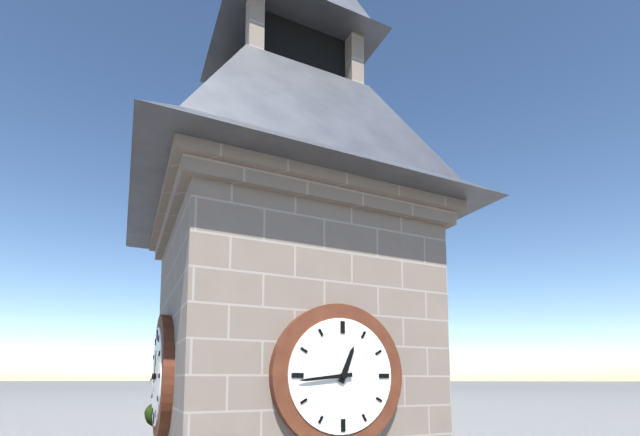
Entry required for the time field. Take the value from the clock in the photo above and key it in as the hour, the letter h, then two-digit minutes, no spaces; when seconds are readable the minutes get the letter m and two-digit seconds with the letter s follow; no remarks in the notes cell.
12h44
